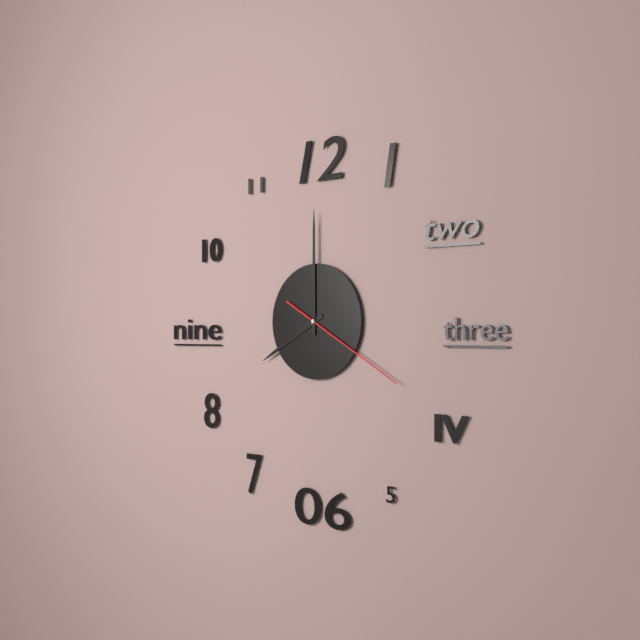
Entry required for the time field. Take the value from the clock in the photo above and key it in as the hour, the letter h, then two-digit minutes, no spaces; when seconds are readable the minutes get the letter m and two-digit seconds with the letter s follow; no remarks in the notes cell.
8h00m20s
